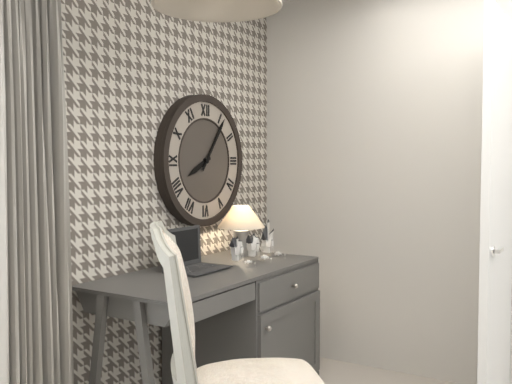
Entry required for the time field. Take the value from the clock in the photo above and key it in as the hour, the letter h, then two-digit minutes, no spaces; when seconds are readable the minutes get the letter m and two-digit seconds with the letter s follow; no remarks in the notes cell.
8h06
